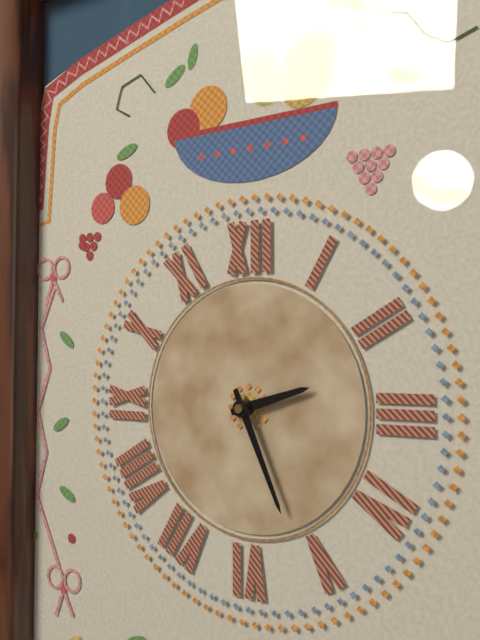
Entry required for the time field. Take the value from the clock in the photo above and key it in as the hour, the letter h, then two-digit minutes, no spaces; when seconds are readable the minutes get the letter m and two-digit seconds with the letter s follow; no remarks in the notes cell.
2h26
